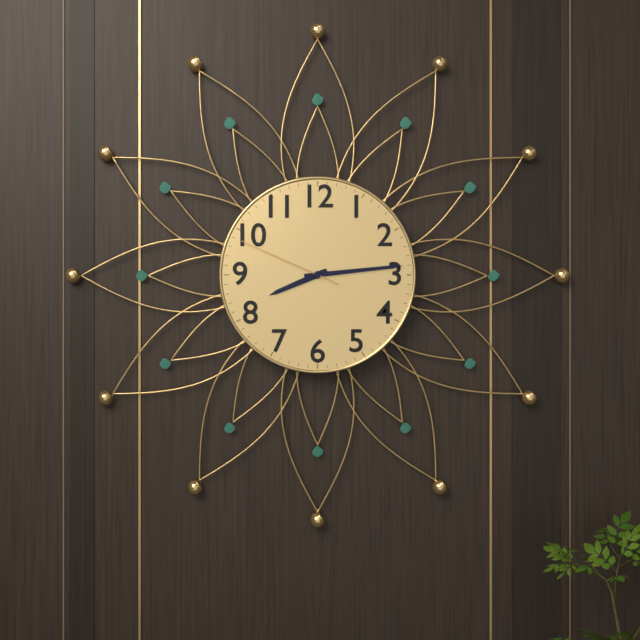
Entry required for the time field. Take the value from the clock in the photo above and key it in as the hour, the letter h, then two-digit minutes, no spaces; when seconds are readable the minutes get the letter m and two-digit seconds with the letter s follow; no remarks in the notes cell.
8h14m49s
